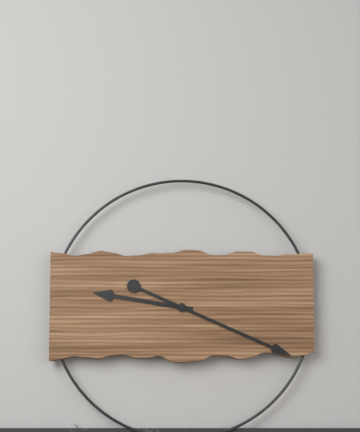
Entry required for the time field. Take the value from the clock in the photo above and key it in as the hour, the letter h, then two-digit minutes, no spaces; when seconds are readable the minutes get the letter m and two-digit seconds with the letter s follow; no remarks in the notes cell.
9h19
